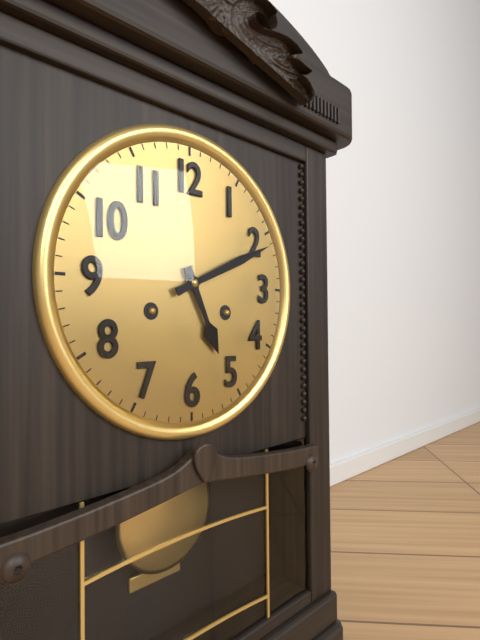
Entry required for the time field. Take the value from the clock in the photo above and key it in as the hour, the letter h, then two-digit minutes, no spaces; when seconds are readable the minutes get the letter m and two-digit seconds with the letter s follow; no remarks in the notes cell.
5h11
